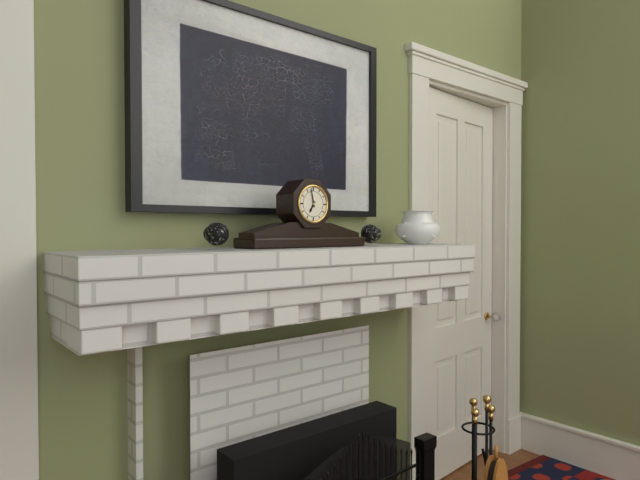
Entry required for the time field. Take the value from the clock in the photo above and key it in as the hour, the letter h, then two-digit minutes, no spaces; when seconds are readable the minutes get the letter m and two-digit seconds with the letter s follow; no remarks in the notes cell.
6h58
